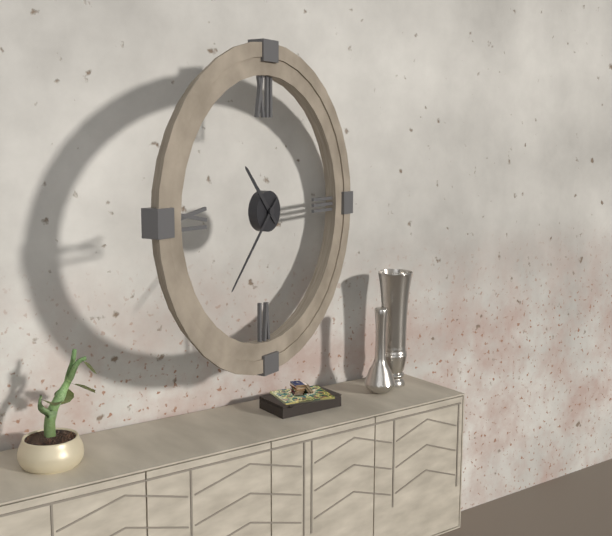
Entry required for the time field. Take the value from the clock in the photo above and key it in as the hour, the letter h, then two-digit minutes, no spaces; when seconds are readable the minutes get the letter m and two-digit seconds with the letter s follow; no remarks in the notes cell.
10h37
